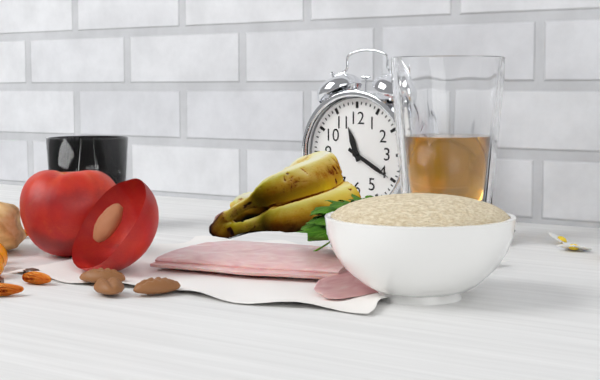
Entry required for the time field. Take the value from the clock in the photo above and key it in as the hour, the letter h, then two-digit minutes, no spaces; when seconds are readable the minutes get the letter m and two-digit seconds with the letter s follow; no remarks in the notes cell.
11h20
